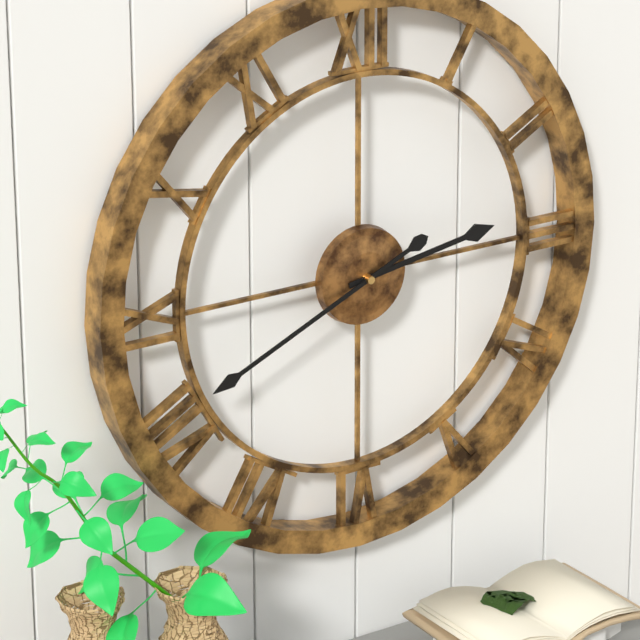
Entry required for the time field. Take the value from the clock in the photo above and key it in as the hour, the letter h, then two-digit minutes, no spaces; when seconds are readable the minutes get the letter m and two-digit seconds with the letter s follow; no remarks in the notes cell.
2h41
